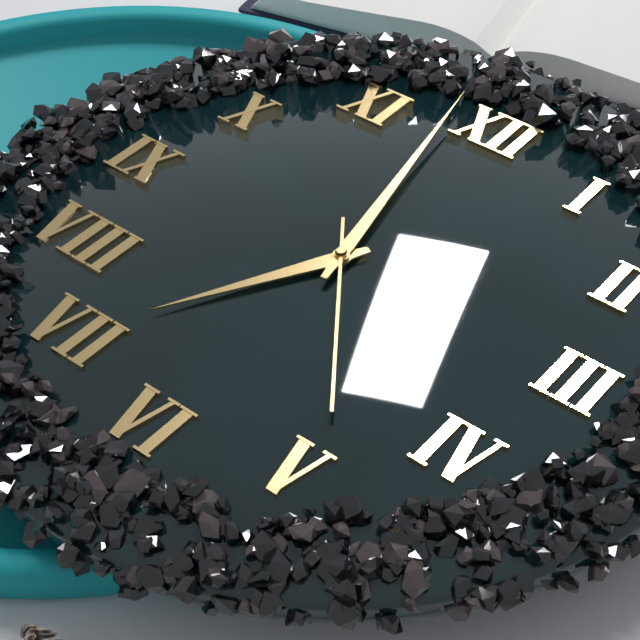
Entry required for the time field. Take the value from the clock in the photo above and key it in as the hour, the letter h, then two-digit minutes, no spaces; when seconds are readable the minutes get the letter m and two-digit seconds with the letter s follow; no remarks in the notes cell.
6h58m24s
